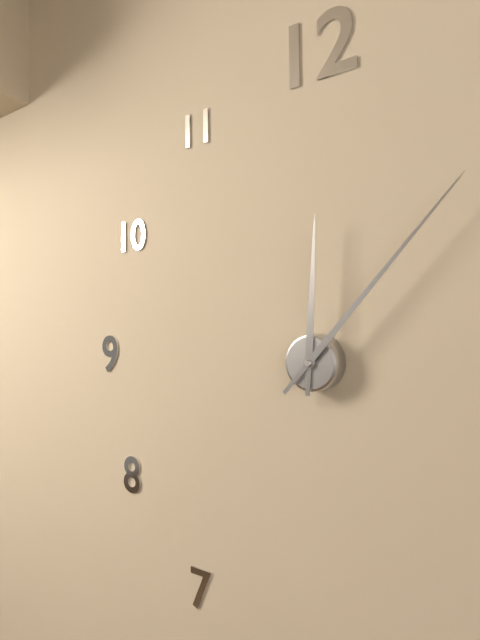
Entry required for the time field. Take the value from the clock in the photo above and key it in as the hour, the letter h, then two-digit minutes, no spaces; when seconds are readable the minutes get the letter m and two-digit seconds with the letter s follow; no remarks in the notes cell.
12h07
